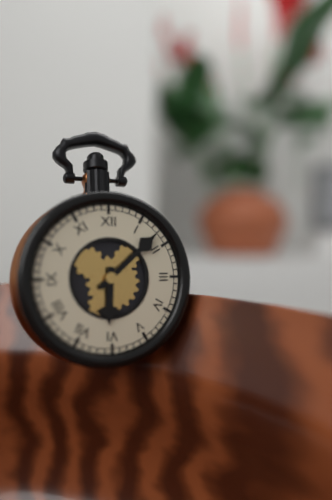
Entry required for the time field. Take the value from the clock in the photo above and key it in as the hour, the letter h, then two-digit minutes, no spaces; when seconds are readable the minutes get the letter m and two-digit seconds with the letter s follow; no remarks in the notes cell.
6h08
